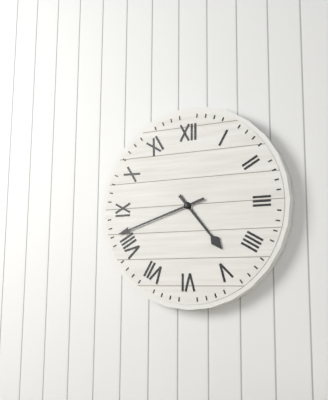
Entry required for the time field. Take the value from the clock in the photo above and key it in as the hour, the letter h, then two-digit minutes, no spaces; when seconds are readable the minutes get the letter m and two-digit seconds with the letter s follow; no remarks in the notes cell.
4h42
